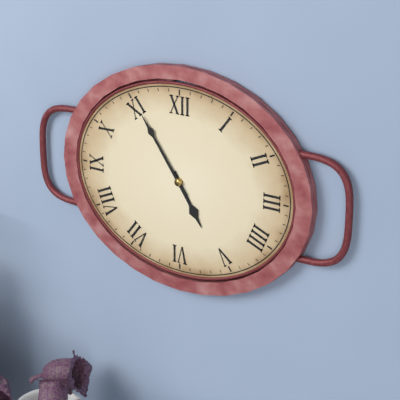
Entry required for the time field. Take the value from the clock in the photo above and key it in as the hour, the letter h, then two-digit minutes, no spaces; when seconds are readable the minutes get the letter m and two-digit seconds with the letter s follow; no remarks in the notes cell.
4h54
